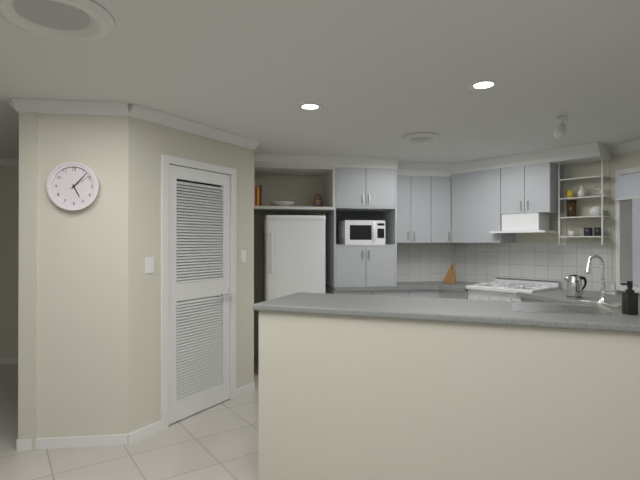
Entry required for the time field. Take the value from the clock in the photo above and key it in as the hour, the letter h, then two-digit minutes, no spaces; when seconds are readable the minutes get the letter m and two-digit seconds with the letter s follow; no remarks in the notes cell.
5h07
